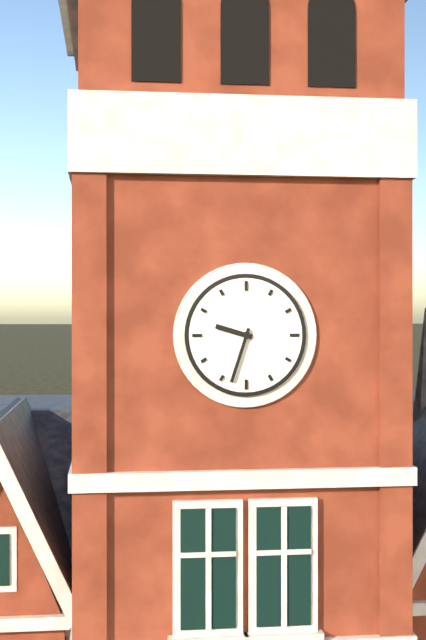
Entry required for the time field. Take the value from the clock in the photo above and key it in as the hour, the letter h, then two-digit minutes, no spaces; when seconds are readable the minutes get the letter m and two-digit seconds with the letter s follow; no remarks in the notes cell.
9h33
